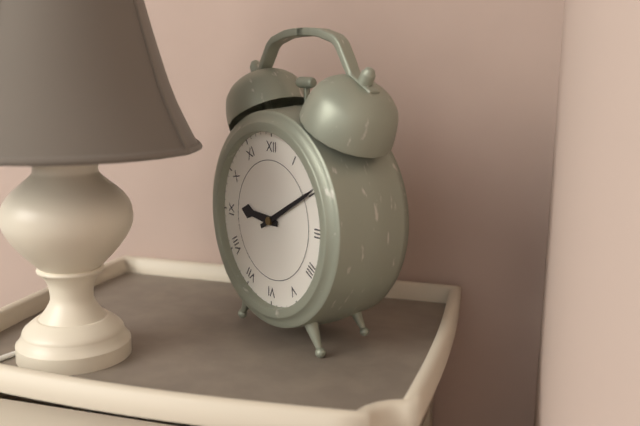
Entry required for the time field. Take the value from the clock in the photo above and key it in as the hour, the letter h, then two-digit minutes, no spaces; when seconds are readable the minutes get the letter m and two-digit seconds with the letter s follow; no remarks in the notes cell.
9h10
